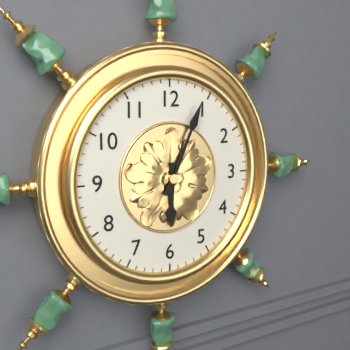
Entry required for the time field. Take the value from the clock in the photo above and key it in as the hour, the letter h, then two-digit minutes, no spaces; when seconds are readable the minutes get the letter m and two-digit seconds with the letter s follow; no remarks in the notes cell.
6h04
